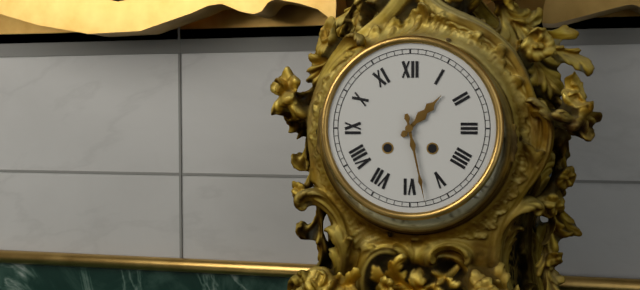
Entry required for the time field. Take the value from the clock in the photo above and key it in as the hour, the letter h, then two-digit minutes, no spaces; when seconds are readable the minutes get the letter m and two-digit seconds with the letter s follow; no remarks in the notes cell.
1h28
